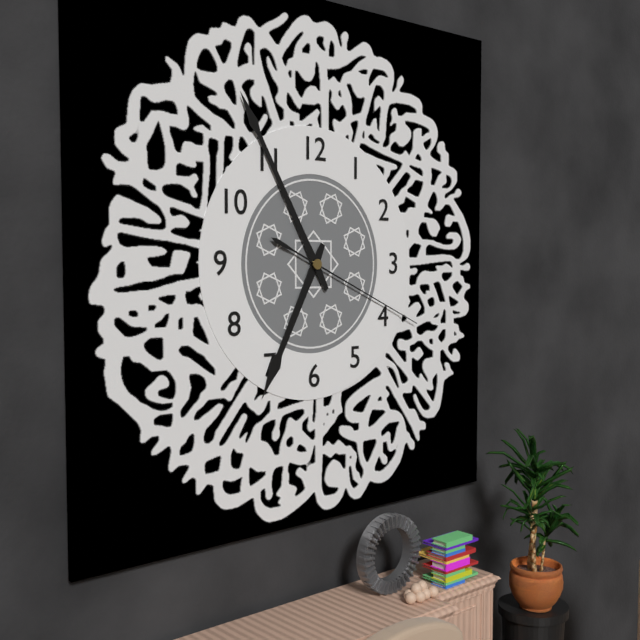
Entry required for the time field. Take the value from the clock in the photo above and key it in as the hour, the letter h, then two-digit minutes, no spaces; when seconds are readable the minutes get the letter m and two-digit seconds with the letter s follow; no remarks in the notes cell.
6h55m19s
